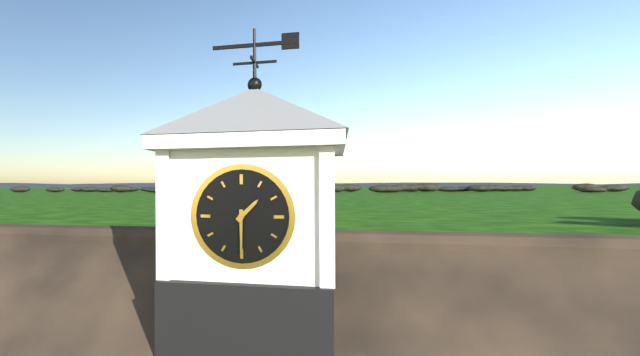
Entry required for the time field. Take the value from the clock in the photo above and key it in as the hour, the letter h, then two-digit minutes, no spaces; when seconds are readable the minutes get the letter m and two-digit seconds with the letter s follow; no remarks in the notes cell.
1h30
